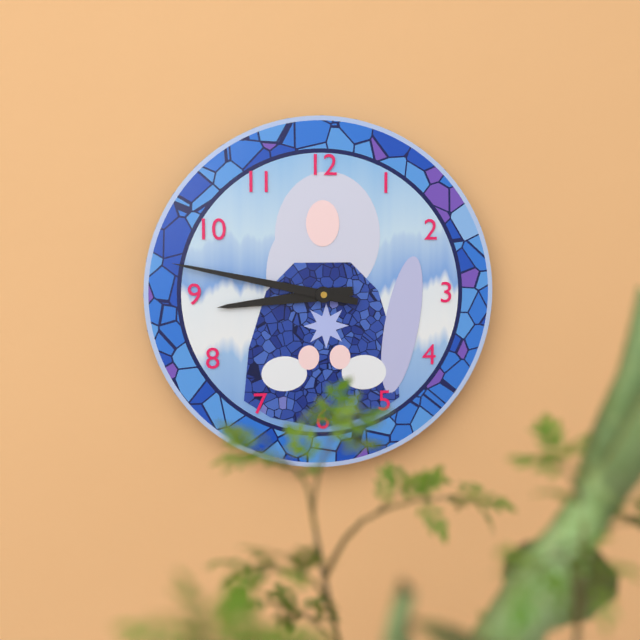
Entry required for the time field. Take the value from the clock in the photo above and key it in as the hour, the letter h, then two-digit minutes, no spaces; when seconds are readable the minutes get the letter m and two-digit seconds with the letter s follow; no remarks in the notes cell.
8h47
